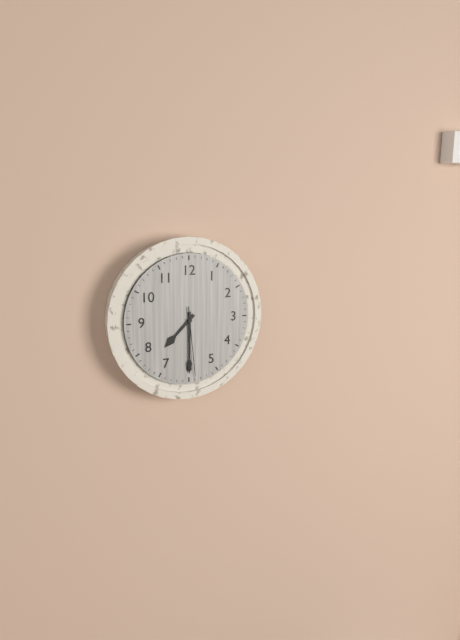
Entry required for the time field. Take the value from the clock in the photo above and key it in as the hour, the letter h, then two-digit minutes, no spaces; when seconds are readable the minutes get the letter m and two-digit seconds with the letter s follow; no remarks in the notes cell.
7h30m29s
